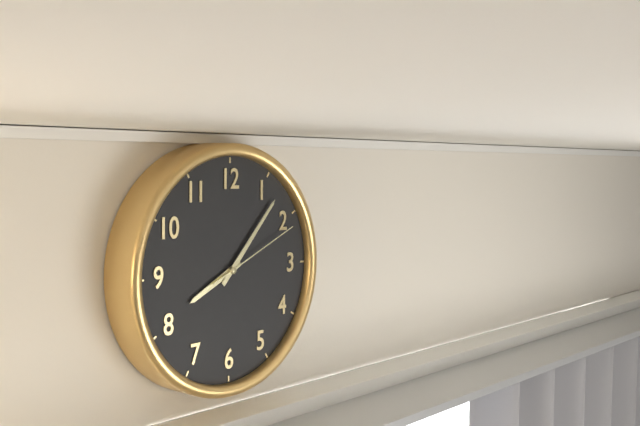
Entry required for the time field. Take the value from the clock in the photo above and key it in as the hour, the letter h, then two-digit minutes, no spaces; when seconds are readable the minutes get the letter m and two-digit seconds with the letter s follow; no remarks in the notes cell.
8h07m11s
